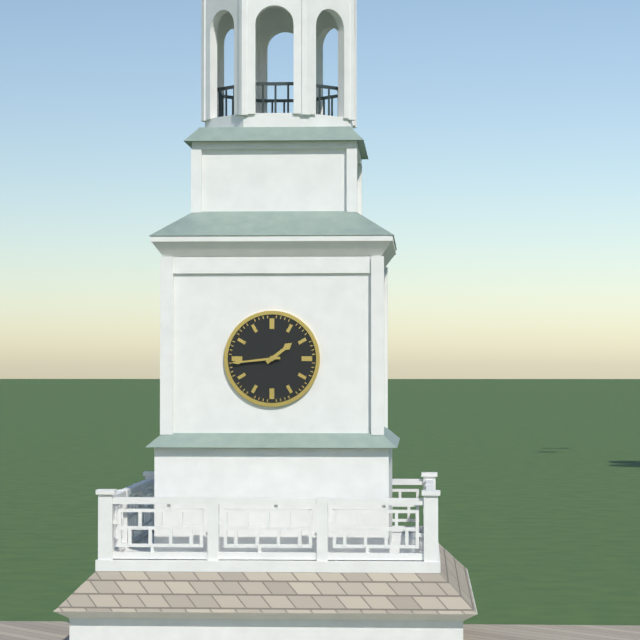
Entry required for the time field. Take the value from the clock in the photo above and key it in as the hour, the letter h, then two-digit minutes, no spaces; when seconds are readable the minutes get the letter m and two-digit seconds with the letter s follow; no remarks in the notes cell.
1h44
